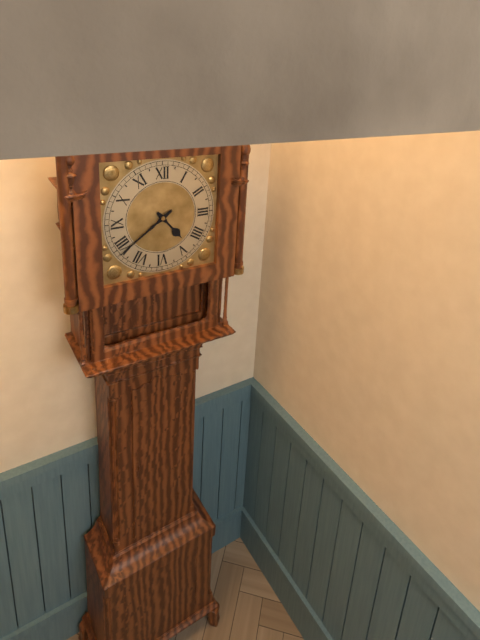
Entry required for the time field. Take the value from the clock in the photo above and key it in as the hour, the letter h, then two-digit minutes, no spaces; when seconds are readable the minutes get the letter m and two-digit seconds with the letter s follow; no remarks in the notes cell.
4h39
